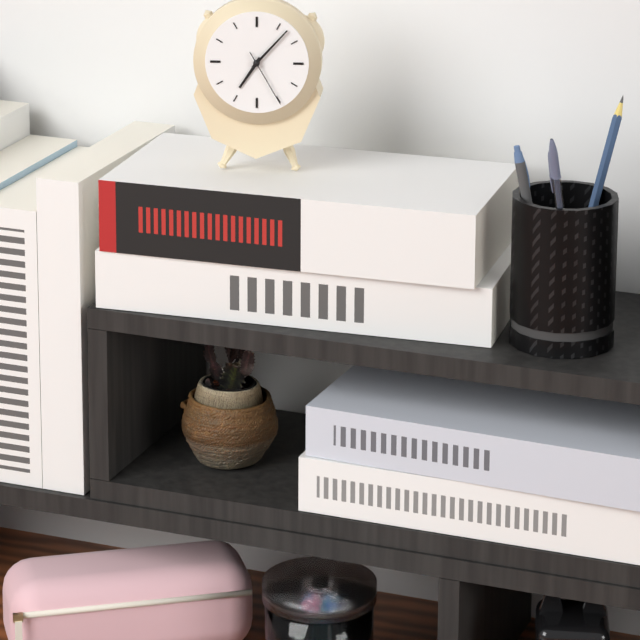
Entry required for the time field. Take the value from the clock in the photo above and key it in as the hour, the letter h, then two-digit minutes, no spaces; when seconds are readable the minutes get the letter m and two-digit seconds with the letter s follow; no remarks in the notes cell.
7h07m25s
